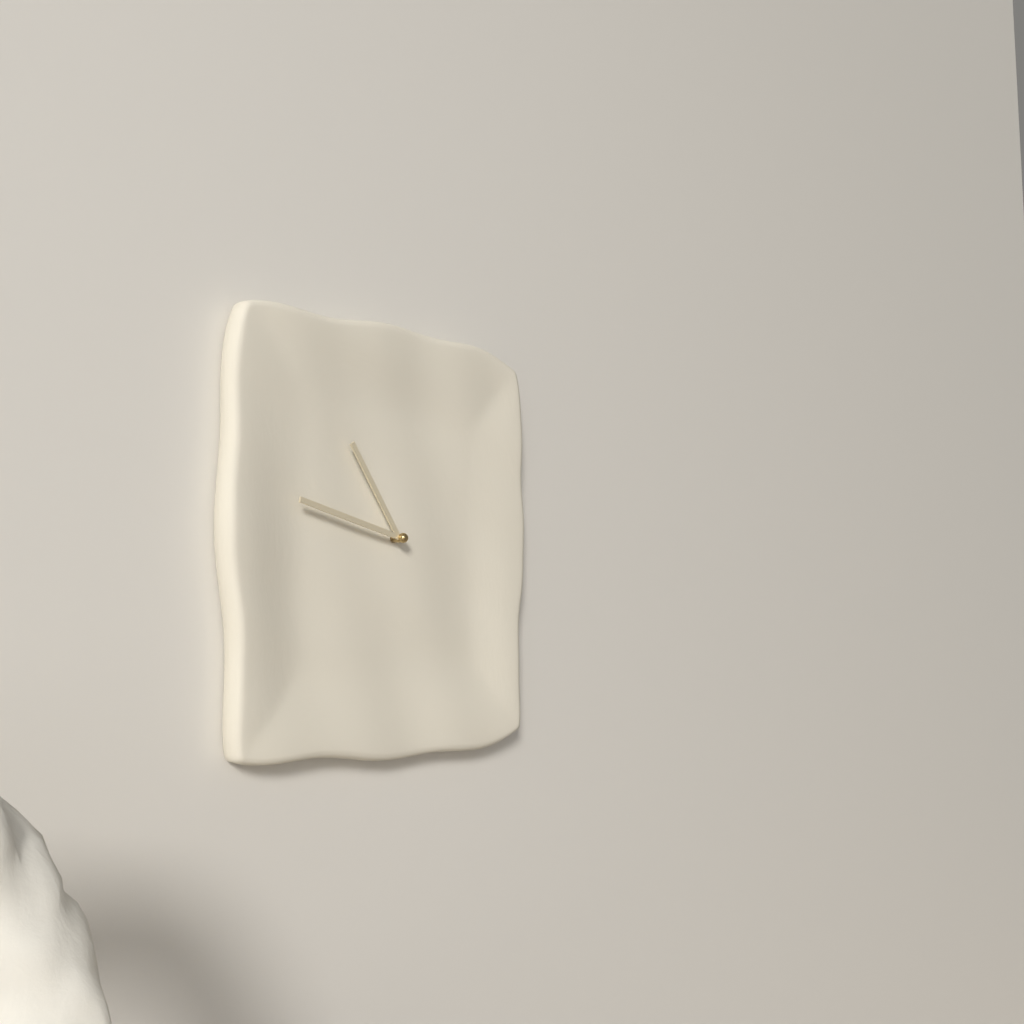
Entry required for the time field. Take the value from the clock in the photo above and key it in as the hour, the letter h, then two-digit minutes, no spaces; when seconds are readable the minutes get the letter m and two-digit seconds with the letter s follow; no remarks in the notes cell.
10h47
